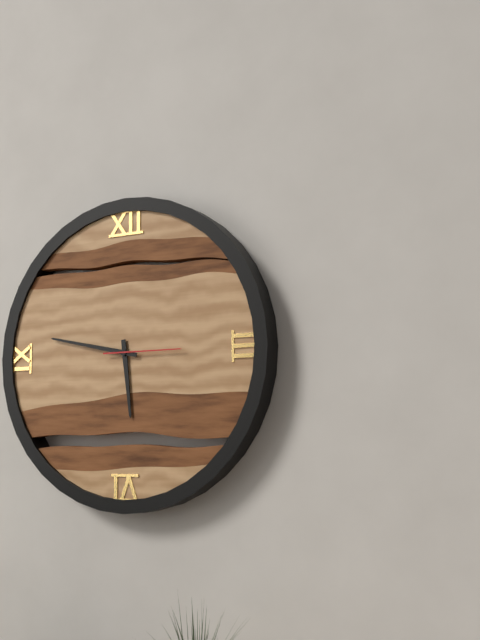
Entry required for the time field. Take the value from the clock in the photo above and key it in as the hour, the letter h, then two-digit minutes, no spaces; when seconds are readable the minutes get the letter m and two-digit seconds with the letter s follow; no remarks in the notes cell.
5h47m15s
